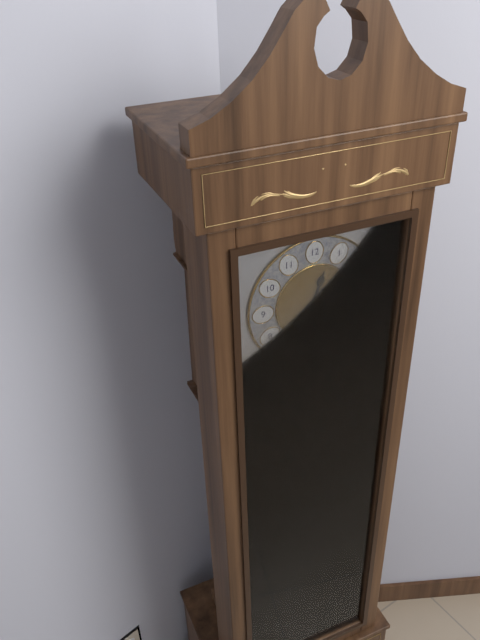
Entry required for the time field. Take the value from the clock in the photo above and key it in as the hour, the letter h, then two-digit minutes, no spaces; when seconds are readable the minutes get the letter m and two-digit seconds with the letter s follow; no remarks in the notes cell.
12h37
